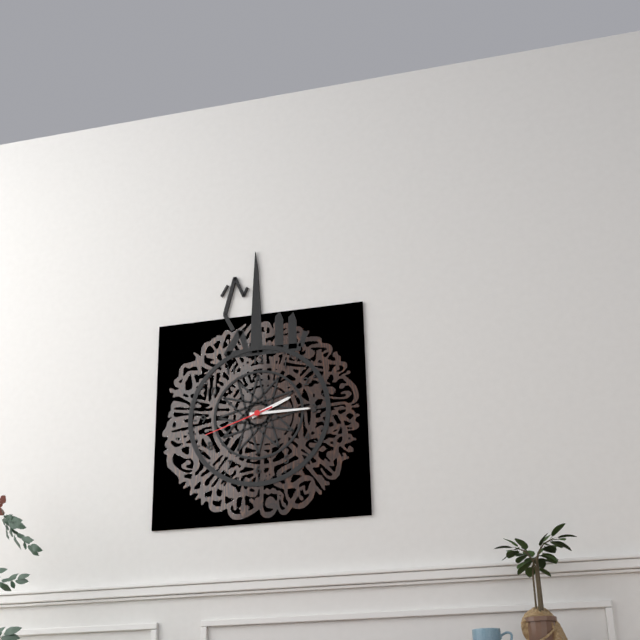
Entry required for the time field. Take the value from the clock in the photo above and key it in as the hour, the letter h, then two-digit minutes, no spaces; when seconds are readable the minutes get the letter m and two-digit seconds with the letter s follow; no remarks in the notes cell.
2h15m42s
